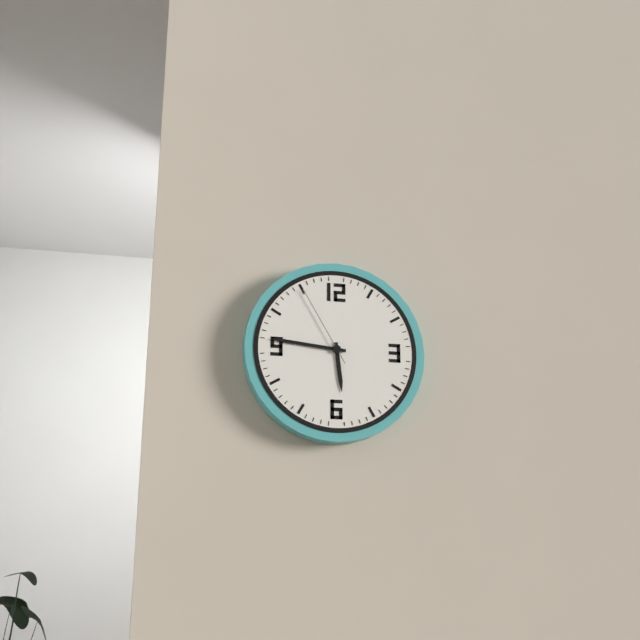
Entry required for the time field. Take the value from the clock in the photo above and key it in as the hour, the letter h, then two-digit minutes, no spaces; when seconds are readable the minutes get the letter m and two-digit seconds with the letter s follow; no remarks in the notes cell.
5h46m55s
